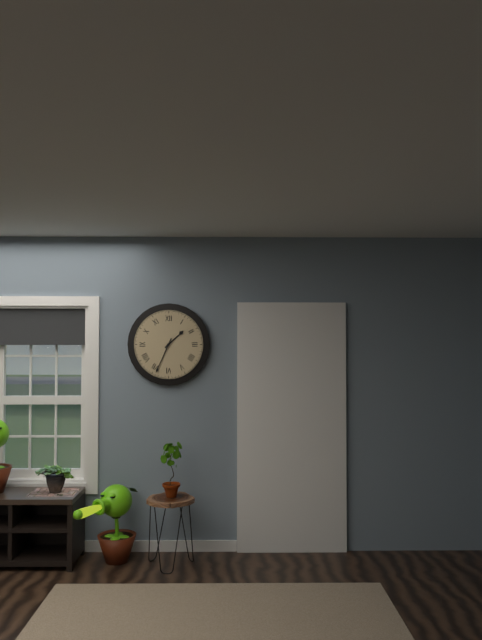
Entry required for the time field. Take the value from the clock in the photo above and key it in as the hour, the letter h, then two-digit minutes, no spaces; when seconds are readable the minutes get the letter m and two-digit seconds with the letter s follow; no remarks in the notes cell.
1h34
